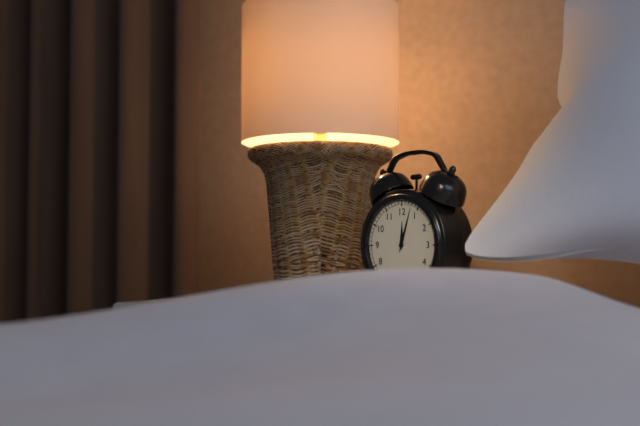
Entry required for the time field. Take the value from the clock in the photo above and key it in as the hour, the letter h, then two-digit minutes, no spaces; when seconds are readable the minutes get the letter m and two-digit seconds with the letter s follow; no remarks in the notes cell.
12h03
